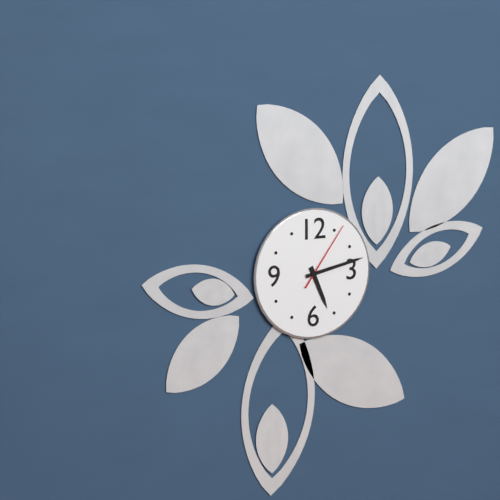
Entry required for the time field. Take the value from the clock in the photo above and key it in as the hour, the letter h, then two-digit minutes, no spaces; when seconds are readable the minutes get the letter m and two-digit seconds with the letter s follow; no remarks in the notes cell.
5h13m06s
